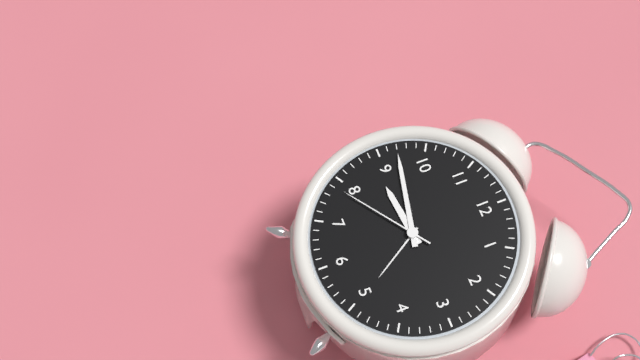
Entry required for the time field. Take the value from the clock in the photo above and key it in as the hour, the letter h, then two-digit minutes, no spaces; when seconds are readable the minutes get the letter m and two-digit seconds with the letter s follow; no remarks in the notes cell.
8h47m39s
